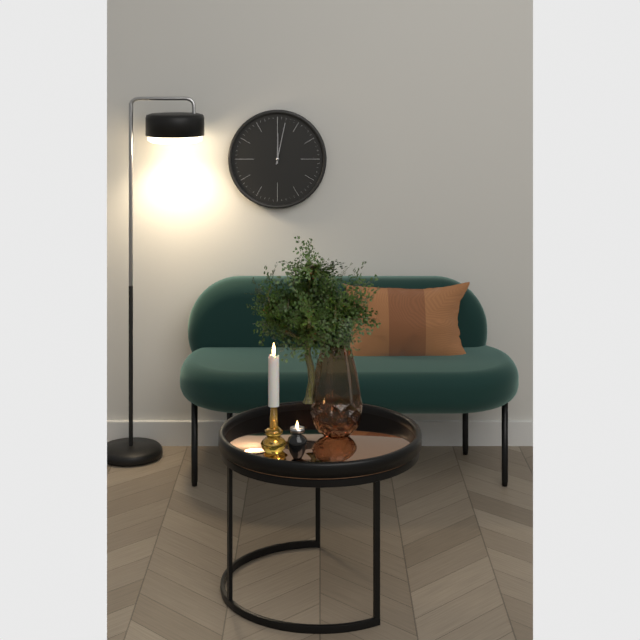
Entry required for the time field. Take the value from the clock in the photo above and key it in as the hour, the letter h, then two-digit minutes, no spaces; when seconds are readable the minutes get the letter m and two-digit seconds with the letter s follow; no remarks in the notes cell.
12h02
